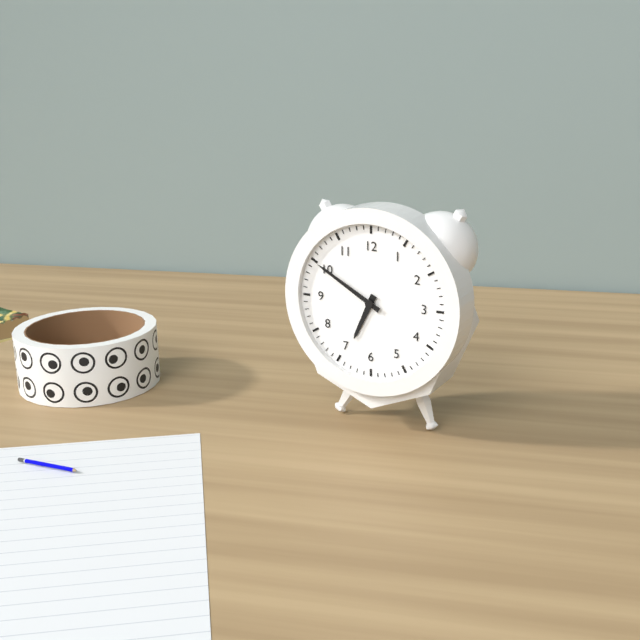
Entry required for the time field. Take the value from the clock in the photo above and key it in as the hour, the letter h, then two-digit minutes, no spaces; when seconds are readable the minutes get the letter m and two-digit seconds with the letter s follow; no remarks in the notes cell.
6h50
